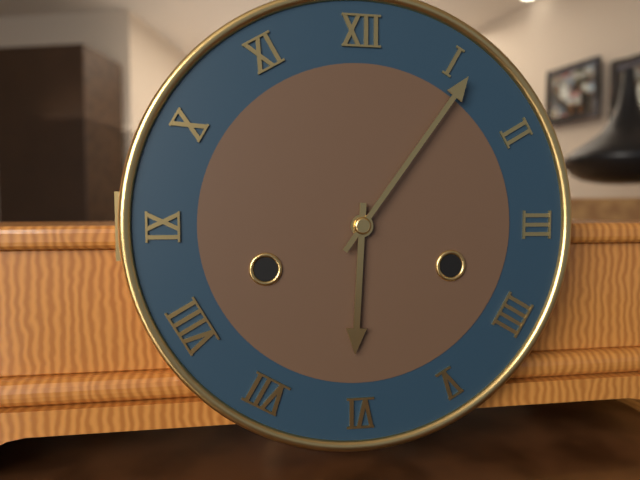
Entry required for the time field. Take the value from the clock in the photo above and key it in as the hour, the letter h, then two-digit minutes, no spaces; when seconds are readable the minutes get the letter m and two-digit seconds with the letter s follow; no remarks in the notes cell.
6h06
